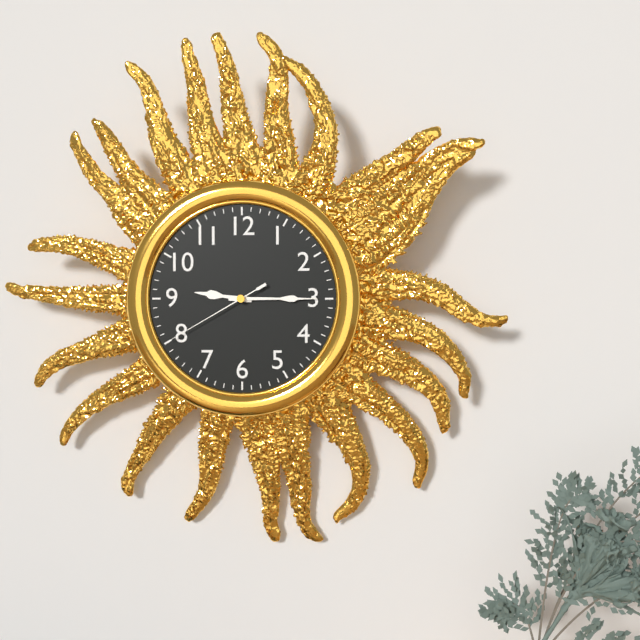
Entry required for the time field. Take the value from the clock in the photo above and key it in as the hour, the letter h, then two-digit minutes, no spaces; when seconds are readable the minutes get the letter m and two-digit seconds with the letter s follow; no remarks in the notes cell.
9h15m40s
